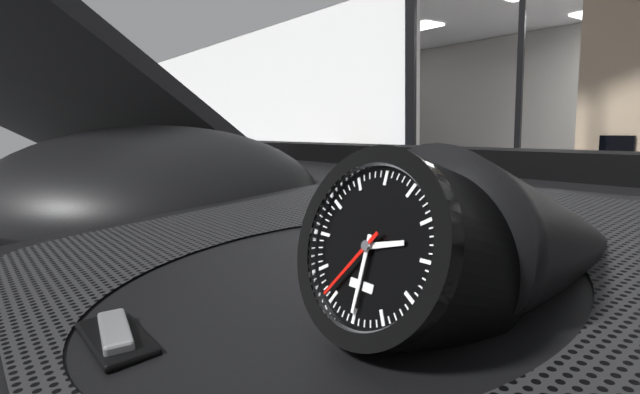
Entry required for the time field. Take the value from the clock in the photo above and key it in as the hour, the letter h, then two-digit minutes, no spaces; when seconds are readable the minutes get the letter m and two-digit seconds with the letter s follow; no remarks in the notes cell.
2h30m36s
